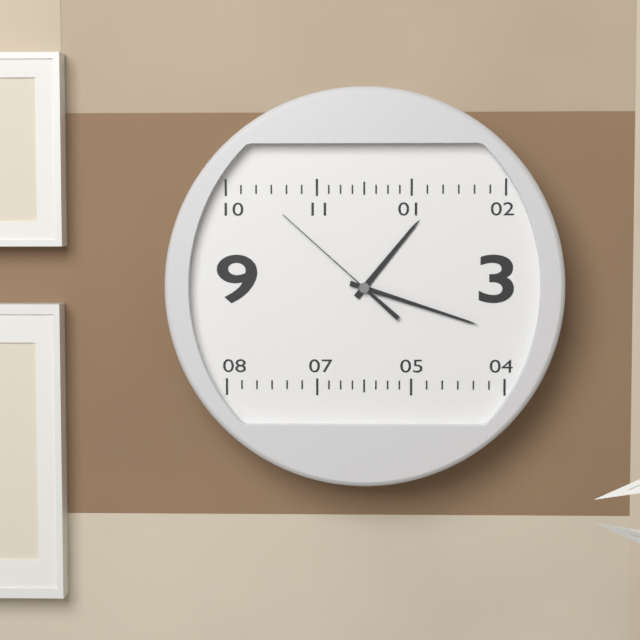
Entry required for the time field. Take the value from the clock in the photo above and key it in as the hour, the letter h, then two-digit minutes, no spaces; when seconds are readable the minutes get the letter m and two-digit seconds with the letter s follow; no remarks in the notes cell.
1h18m52s
